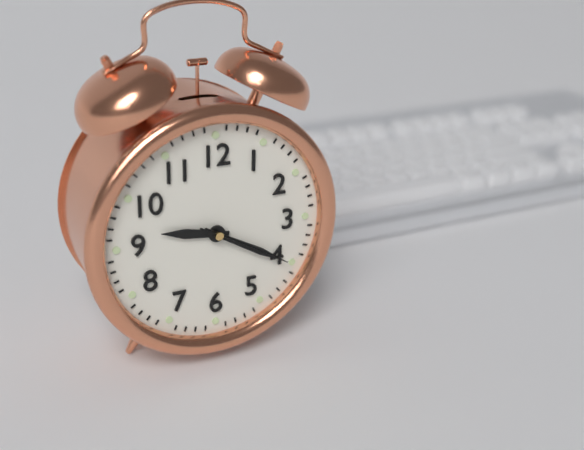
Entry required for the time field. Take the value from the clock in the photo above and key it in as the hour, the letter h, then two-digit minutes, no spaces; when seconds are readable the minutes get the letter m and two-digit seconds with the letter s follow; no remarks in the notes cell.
9h20m20s
